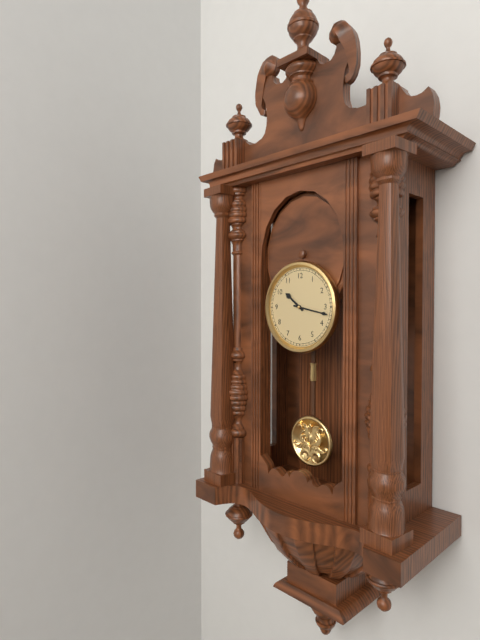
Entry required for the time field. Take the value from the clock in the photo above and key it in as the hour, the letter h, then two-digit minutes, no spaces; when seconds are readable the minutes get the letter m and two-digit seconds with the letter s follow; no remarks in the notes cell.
10h17
